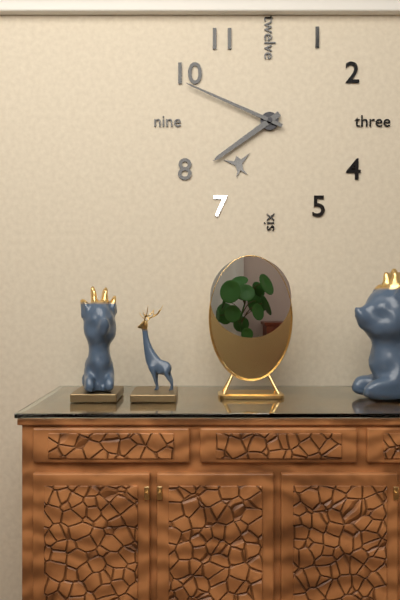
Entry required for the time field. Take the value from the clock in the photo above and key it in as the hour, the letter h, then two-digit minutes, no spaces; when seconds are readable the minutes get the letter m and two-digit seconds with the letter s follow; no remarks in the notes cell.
7h49
